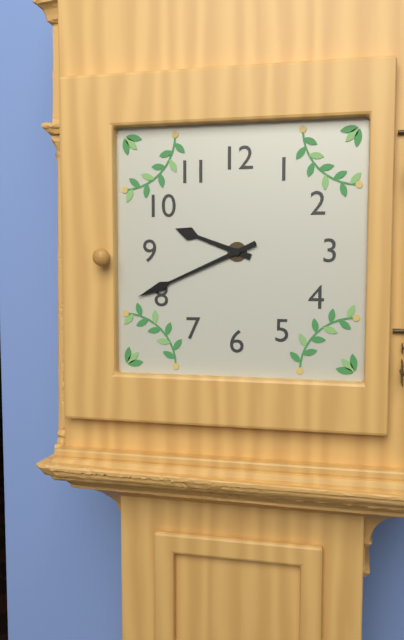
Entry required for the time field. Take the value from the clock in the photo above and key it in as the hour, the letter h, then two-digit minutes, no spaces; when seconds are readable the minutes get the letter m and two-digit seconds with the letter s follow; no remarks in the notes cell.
9h41
